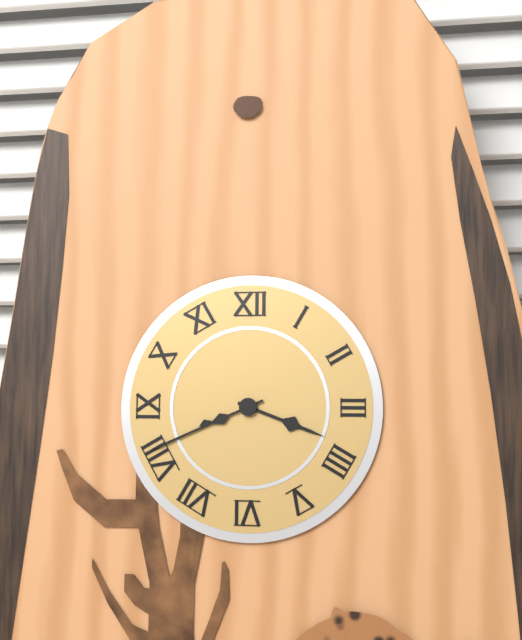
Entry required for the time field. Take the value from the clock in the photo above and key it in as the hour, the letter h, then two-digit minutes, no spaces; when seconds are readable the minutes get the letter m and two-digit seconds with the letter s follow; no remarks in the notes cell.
3h41
